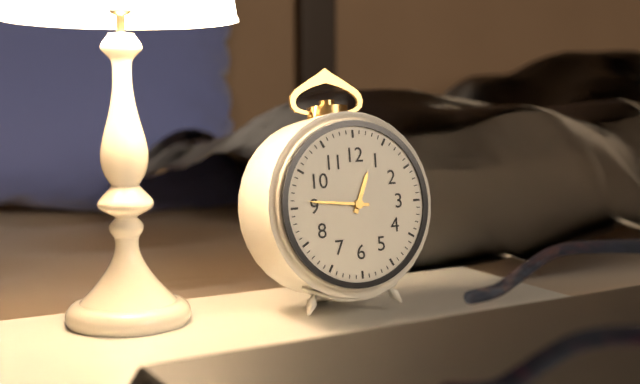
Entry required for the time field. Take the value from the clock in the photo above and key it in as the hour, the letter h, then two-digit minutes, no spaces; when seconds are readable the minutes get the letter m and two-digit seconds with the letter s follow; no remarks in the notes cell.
12h46
